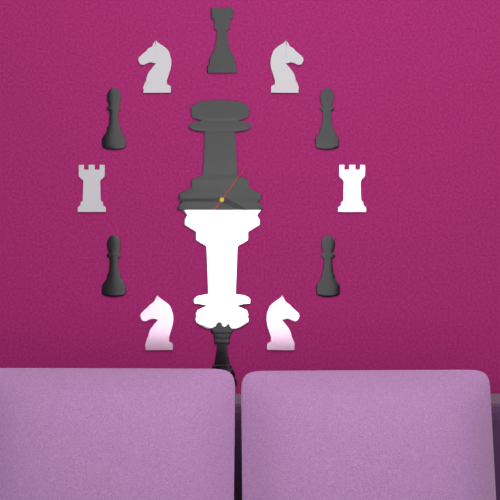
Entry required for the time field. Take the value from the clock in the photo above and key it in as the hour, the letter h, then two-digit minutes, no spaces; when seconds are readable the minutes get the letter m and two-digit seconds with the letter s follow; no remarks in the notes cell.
3h45m06s
